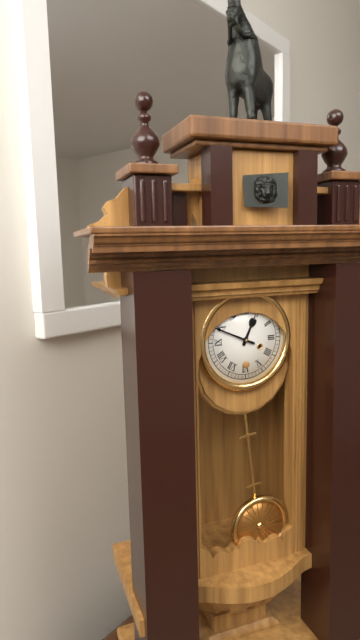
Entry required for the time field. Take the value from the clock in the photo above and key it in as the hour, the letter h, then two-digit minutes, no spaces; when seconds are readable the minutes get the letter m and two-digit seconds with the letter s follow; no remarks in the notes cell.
12h49
